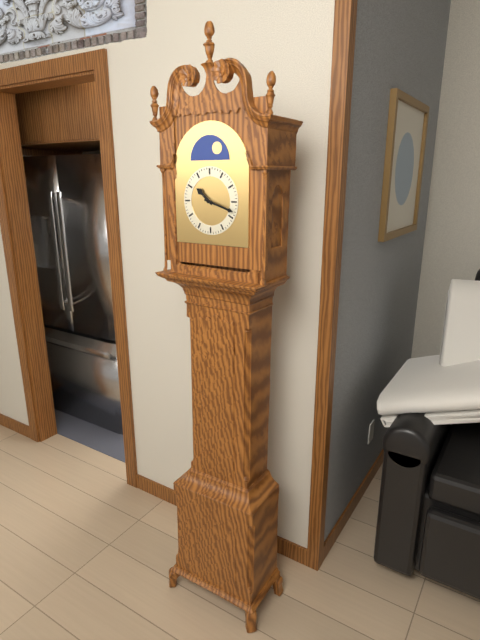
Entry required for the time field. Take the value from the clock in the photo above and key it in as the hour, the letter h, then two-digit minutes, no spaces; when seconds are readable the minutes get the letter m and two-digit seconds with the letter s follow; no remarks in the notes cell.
10h18
